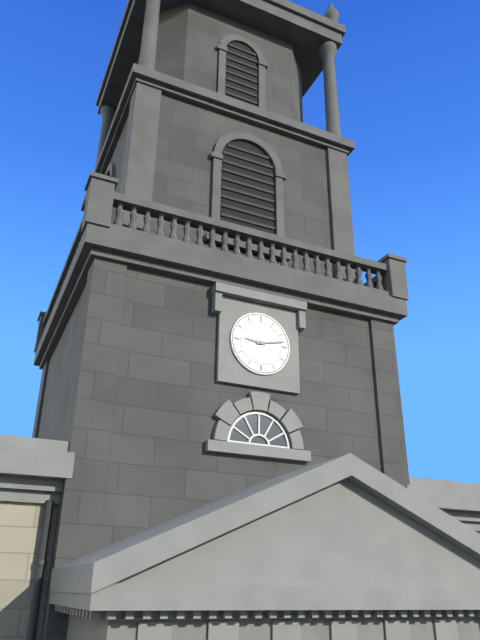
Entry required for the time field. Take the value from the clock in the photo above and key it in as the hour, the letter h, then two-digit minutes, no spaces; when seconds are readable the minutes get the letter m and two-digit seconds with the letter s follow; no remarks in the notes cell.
9h13
